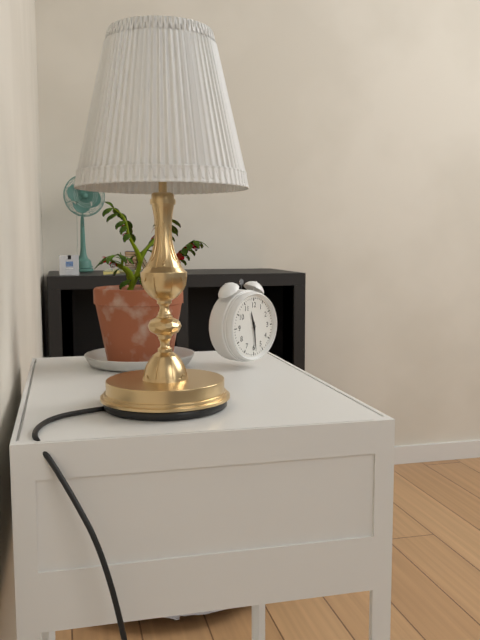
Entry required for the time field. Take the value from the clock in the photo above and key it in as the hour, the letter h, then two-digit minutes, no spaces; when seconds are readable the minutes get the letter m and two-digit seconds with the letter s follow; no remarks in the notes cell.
11h29
